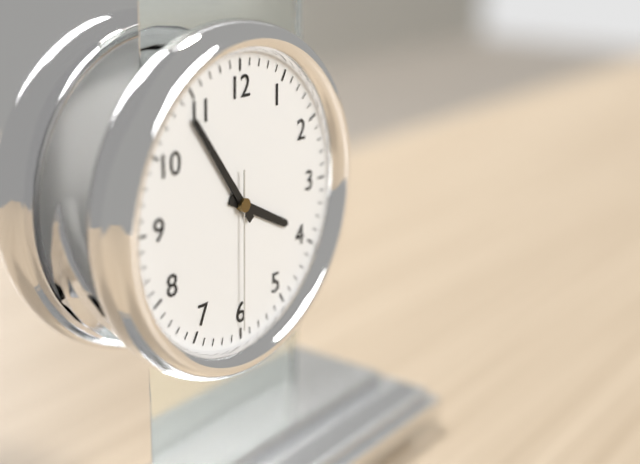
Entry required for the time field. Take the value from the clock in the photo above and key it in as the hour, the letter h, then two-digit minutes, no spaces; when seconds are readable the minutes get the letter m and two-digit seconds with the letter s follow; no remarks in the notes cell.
3h54m30s
